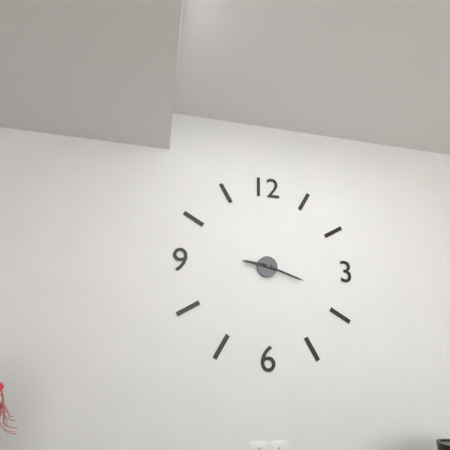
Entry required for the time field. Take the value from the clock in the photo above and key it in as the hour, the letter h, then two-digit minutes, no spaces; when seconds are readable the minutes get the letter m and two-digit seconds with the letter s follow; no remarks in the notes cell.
9h18
